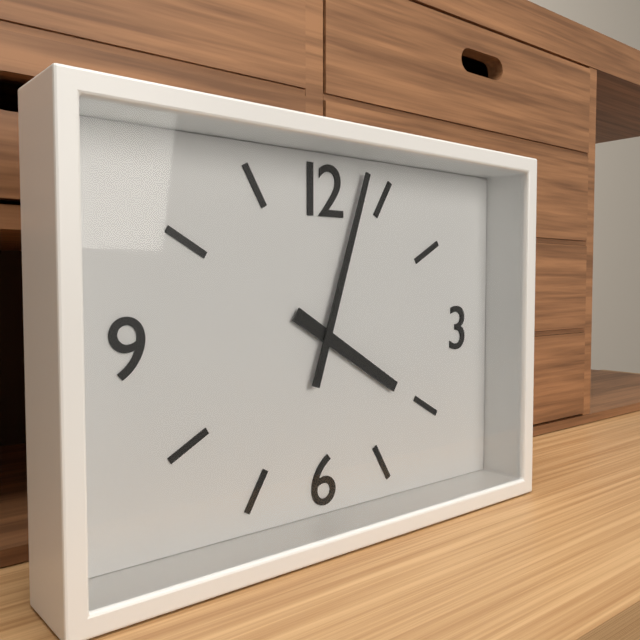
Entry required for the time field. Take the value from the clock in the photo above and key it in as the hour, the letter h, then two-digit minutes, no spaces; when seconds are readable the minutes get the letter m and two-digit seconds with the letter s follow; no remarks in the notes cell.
4h03
